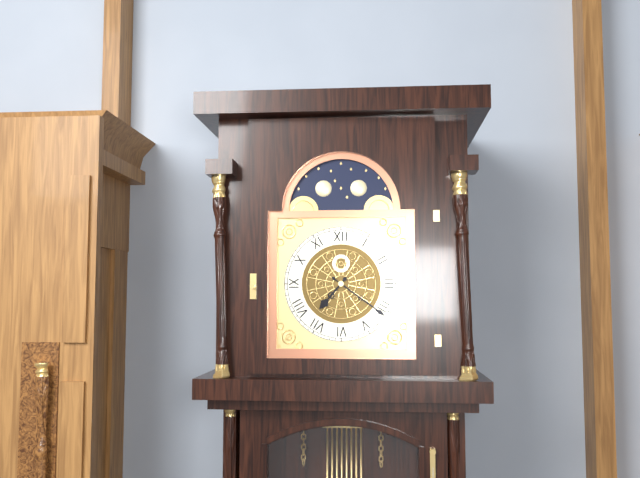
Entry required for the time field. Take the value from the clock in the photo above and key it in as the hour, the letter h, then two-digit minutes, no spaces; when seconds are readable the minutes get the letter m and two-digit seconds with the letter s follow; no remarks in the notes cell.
7h21
